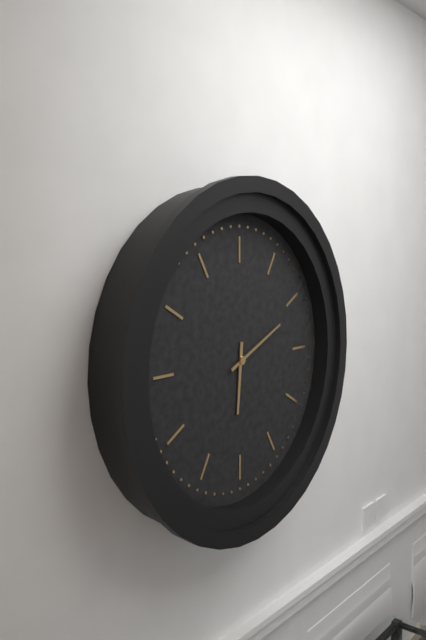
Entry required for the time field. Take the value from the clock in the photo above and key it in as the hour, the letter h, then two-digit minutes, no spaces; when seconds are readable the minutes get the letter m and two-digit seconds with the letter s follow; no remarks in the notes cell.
6h11
